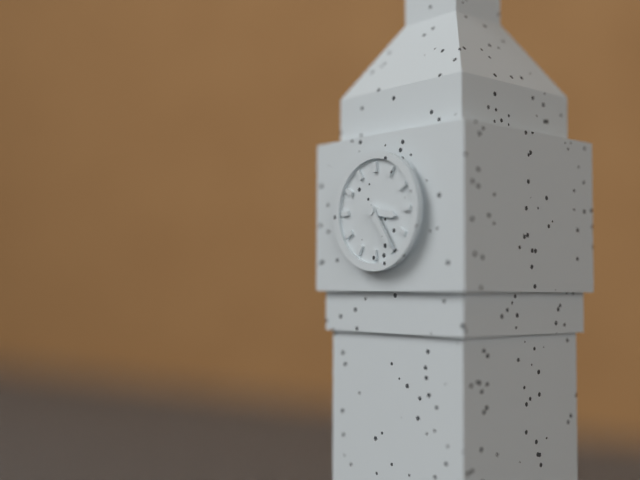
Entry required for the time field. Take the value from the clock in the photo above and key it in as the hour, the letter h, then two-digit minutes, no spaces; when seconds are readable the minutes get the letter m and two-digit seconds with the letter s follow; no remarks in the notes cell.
3h24
